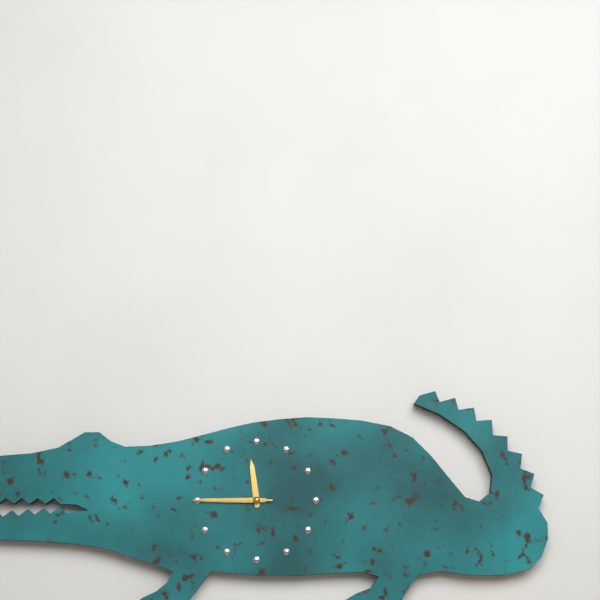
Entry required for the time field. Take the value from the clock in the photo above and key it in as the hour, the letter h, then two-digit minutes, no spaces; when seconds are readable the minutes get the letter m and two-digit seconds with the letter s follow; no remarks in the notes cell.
11h45m45s
